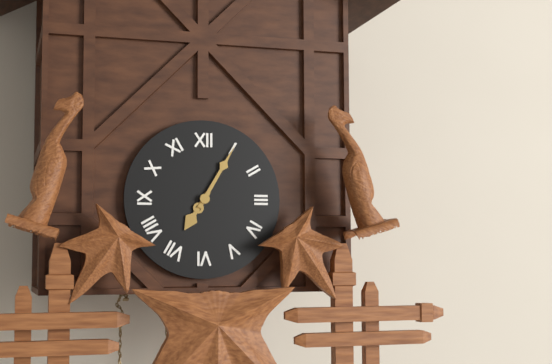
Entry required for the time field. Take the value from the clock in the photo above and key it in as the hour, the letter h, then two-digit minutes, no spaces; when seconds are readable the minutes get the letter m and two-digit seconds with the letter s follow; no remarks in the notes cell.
7h05
